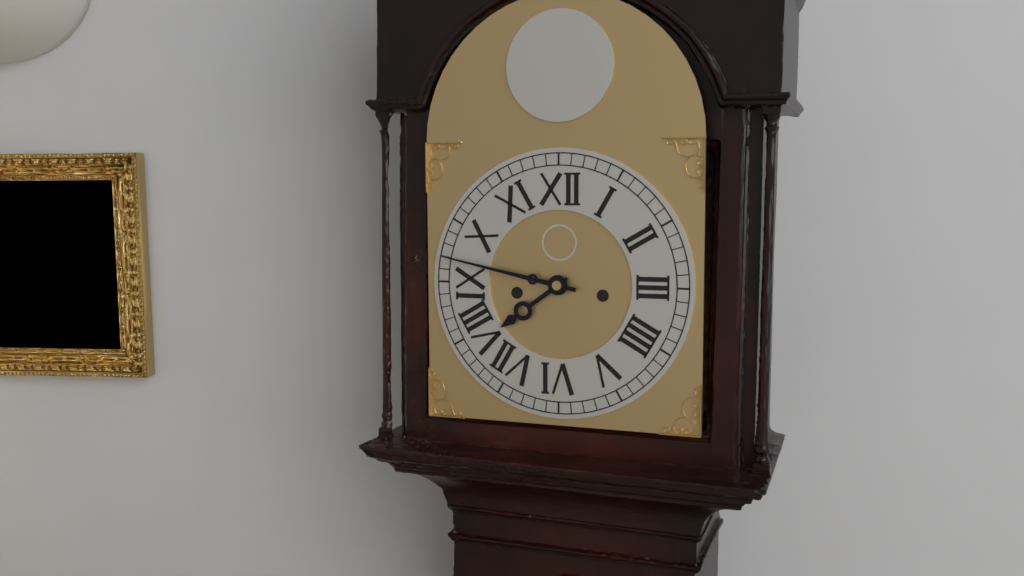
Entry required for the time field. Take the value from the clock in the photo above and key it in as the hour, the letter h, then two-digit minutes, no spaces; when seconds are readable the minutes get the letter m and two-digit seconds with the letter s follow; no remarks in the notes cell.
7h47
